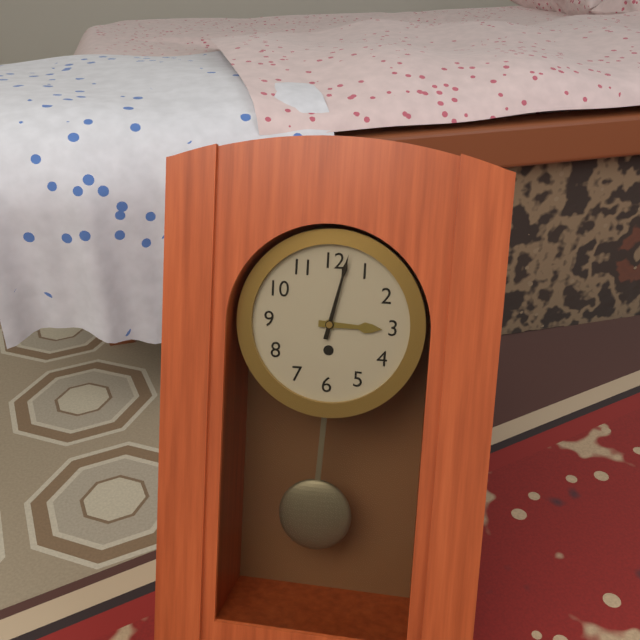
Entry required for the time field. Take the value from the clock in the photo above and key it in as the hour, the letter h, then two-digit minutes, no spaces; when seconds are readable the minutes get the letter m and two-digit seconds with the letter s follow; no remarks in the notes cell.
3h02
